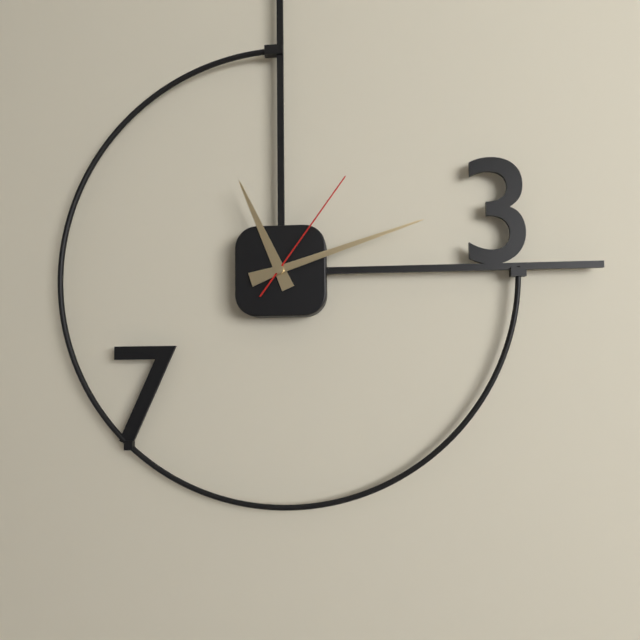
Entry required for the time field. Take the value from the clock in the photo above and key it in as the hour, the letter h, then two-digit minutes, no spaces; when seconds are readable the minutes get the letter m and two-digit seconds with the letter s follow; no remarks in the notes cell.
11h12m06s
